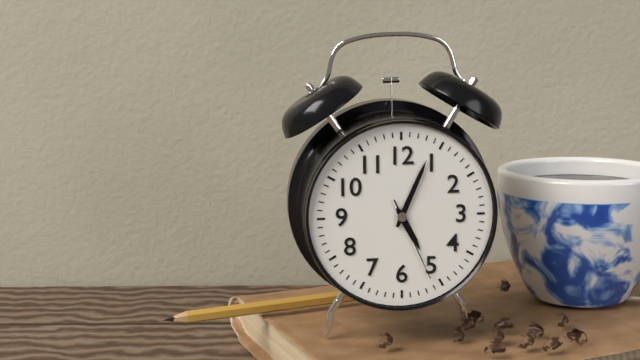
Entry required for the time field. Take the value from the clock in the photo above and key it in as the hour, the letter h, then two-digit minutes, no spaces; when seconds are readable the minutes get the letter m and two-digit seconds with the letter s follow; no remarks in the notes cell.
5h04m26s
